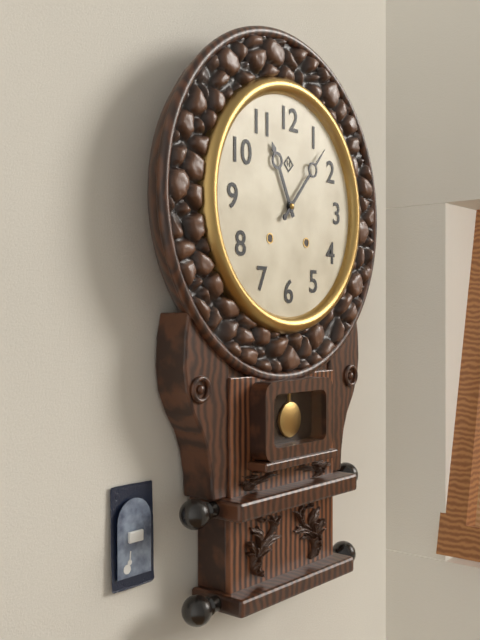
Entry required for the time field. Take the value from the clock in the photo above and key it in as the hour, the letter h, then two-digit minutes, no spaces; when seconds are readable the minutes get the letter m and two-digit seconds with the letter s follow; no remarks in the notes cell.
11h07
